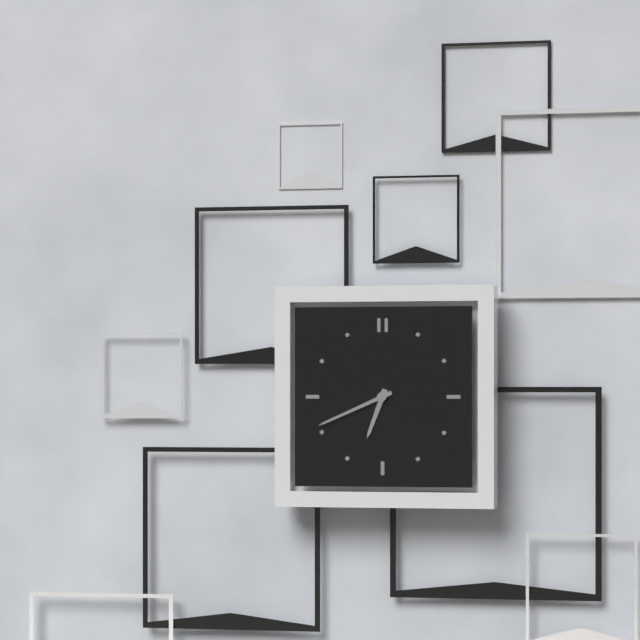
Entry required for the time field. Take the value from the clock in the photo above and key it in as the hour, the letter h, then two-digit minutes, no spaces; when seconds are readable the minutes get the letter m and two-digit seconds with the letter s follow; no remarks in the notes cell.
6h41
